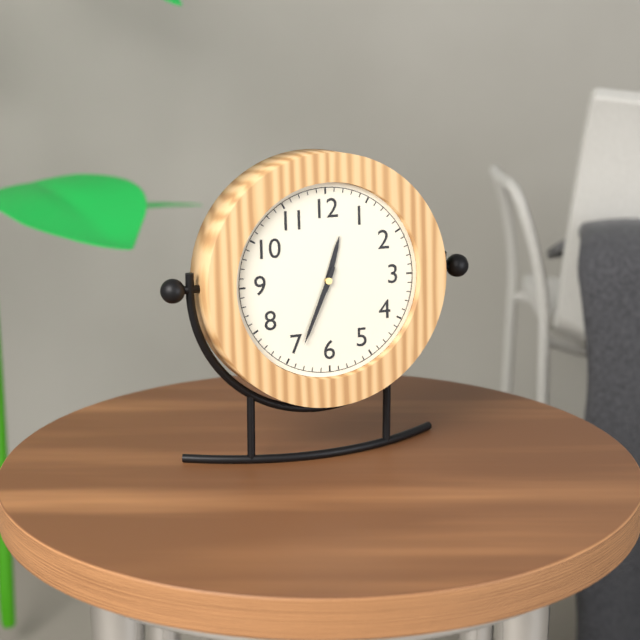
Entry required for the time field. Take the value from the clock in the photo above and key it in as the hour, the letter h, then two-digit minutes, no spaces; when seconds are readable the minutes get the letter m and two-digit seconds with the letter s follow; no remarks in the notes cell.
12h34
